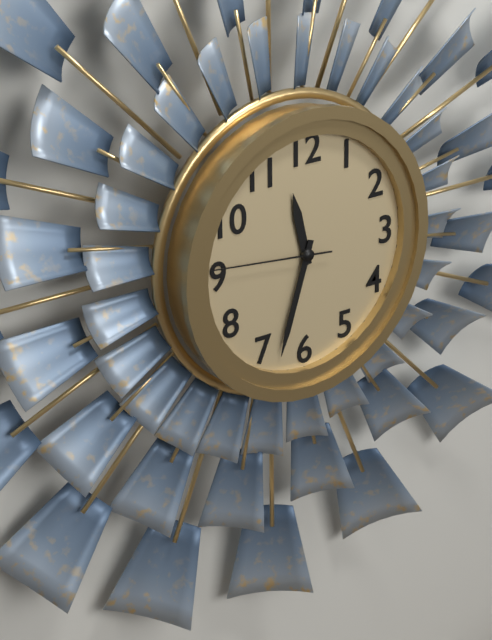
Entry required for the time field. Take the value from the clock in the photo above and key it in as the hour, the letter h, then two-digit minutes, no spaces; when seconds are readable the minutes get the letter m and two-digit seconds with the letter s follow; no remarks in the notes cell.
11h33m46s
